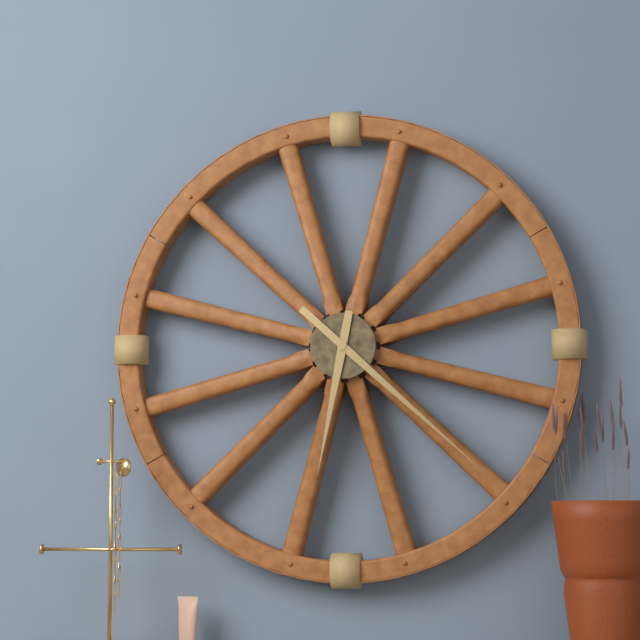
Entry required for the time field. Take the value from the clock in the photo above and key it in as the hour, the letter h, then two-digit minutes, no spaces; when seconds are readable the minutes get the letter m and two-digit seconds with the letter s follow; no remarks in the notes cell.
6h22
